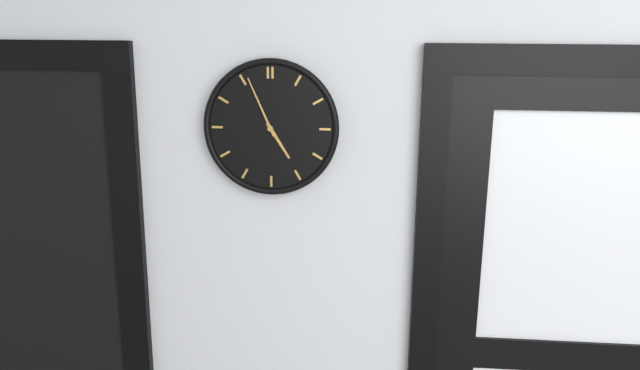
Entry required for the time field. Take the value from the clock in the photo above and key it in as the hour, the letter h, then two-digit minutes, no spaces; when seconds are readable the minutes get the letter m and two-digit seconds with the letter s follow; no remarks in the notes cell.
4h56
